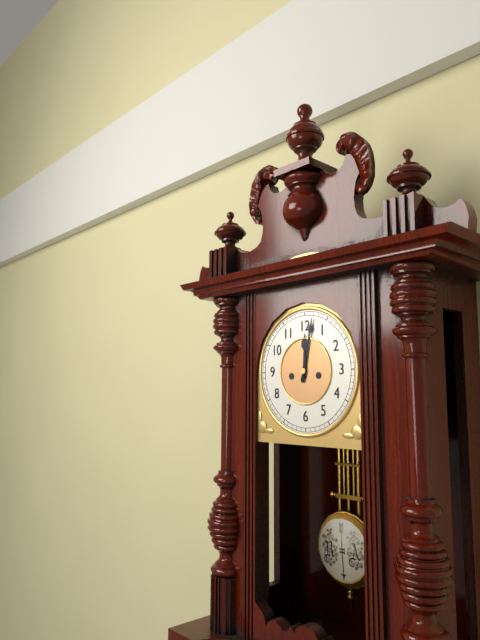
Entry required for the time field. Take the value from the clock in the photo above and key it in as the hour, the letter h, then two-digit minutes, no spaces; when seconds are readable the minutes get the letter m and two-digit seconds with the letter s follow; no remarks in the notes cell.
12h02
